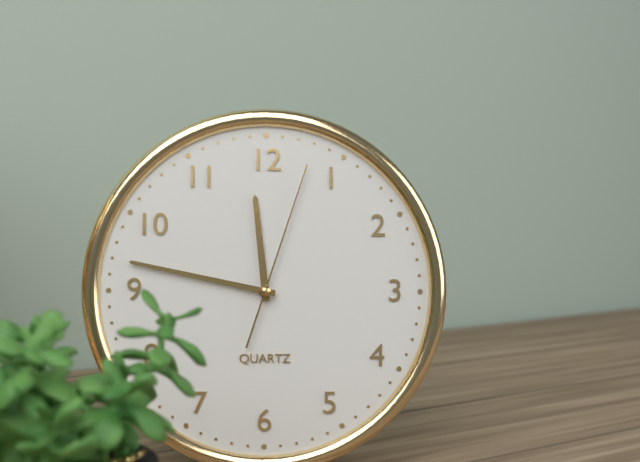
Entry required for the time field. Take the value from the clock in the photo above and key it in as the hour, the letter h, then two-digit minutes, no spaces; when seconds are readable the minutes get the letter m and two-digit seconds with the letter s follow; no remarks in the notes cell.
11h47m03s
